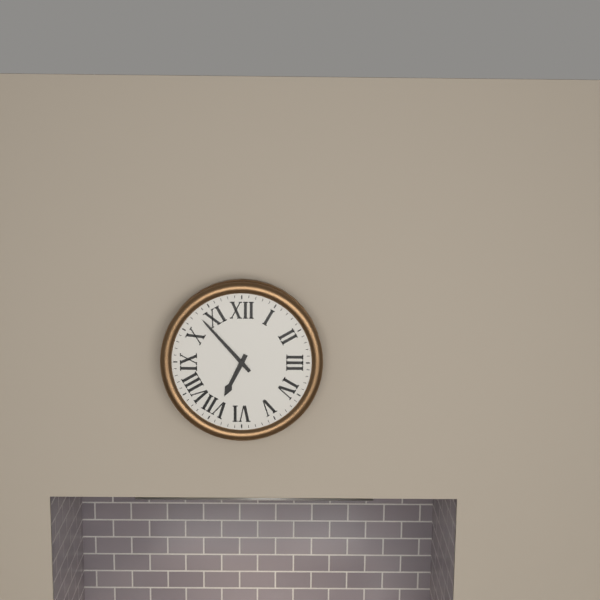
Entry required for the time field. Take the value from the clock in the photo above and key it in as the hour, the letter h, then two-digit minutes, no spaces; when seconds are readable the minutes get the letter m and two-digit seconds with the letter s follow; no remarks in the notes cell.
6h53
